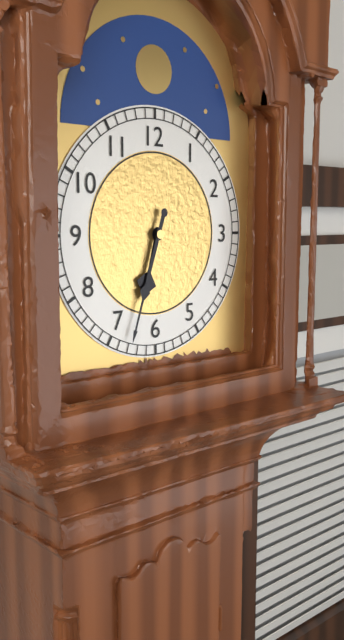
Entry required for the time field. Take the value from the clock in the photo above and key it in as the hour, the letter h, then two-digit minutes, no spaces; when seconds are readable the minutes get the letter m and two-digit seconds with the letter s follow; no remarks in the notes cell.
6h33
